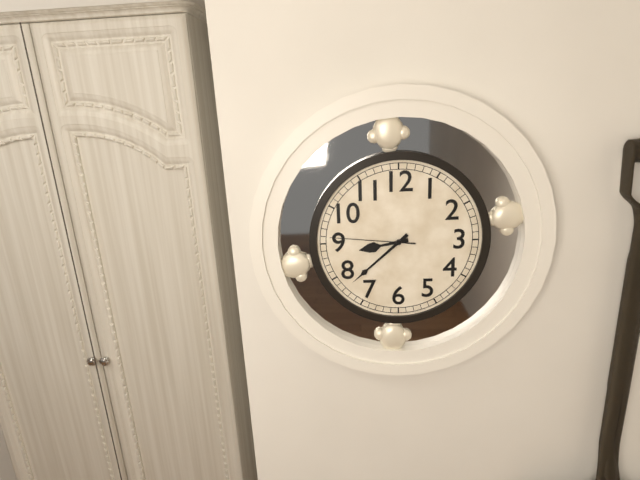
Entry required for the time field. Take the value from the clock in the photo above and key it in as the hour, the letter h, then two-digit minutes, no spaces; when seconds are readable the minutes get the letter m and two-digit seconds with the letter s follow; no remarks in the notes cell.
8h38m46s
